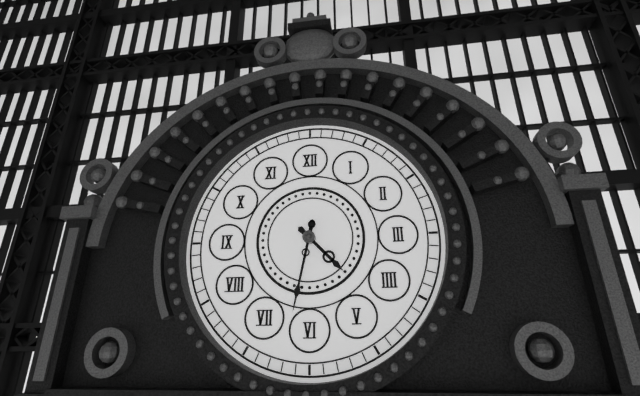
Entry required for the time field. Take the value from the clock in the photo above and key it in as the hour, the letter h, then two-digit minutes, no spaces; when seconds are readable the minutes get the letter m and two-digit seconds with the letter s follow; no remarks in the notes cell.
4h32
